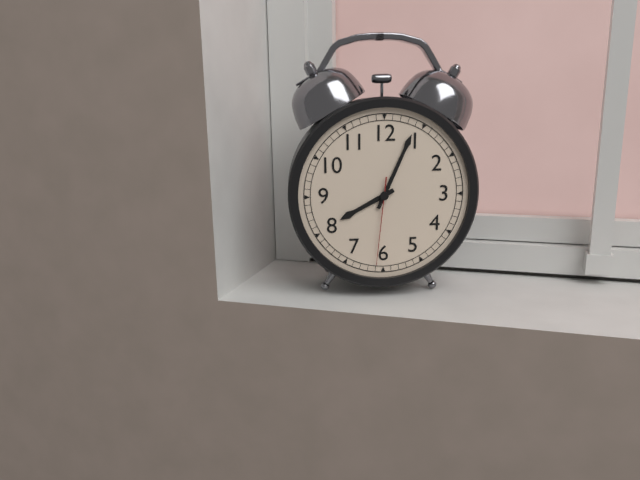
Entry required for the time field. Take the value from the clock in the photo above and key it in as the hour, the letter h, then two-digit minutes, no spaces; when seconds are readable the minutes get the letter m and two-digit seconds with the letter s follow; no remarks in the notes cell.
8h04m31s
